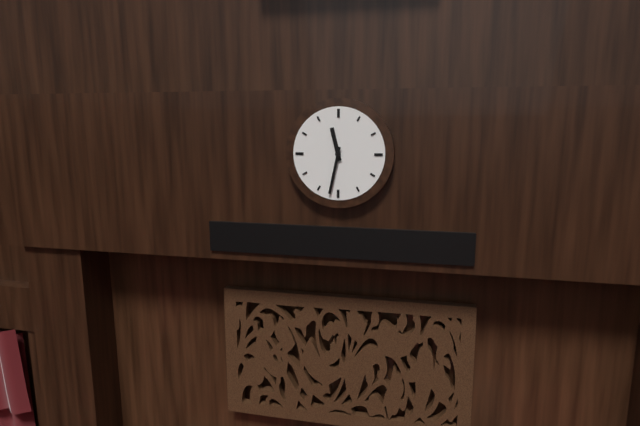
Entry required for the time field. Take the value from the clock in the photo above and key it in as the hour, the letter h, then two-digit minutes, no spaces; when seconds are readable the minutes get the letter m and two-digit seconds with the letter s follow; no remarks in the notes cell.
11h32
